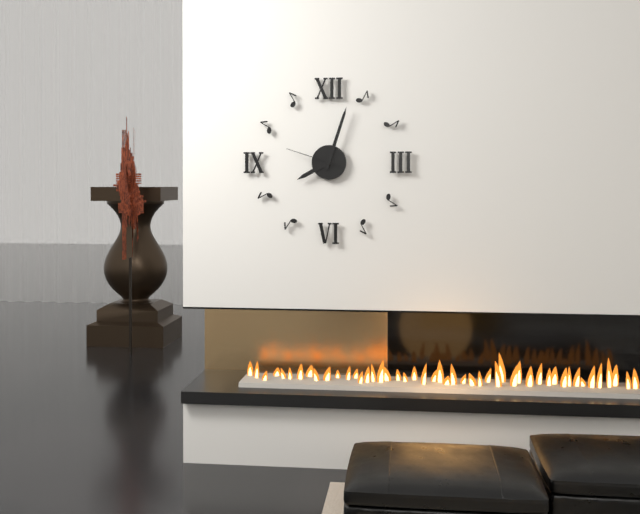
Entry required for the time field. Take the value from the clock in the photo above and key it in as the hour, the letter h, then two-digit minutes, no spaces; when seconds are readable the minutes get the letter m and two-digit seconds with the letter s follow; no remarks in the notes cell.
8h03m48s
